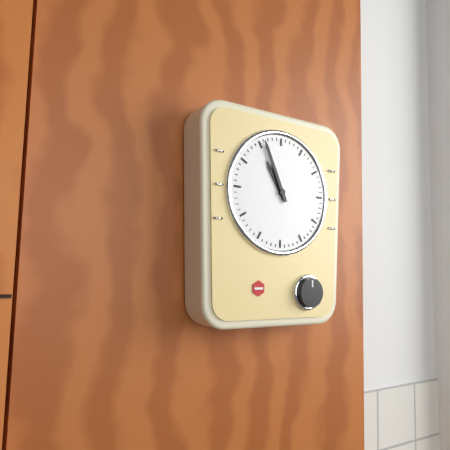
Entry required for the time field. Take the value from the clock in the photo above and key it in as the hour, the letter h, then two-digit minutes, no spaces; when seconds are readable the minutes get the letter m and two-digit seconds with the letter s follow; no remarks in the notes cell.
10h56
